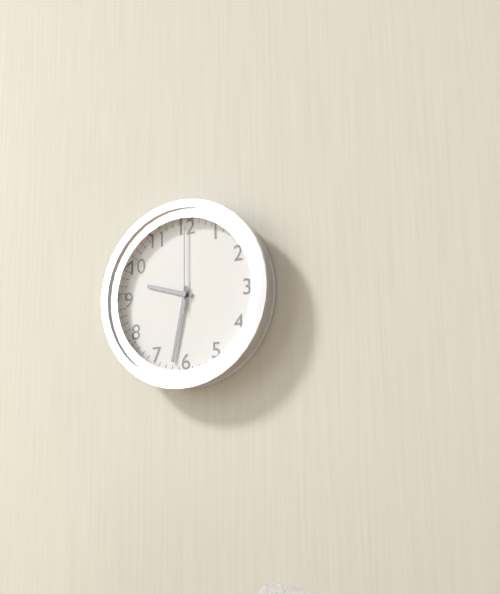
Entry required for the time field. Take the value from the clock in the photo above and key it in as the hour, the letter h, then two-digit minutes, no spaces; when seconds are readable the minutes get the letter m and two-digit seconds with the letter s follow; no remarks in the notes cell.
9h32m00s
